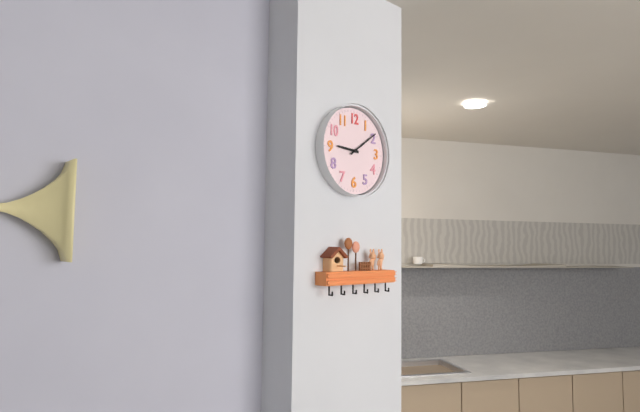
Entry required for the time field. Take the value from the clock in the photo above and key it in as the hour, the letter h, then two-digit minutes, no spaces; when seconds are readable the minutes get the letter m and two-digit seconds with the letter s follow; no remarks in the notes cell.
9h09
